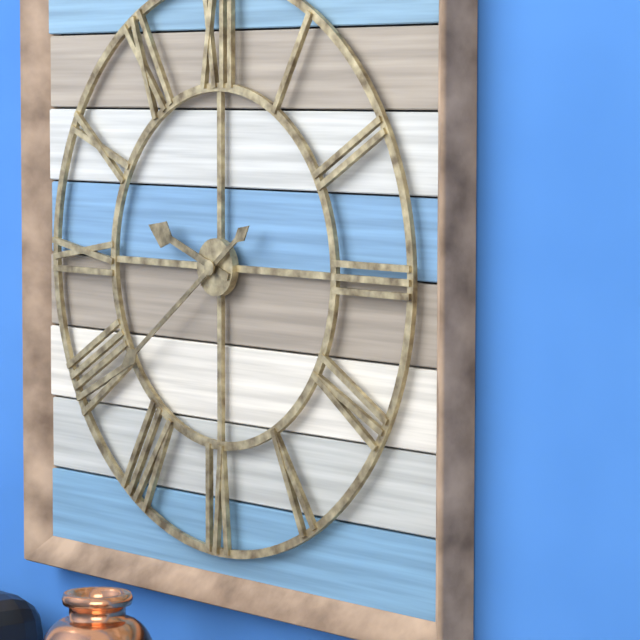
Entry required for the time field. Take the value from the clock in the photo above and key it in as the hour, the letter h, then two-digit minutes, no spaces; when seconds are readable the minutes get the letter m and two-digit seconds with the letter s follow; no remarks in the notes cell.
9h39
